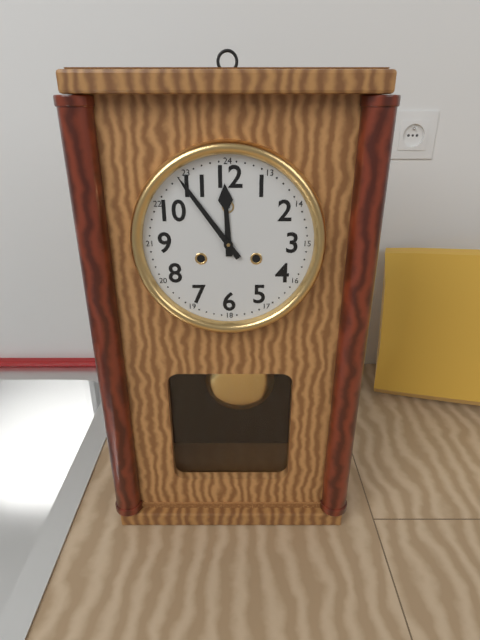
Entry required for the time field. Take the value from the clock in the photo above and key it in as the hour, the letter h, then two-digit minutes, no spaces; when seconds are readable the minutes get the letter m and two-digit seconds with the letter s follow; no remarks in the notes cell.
11h54
